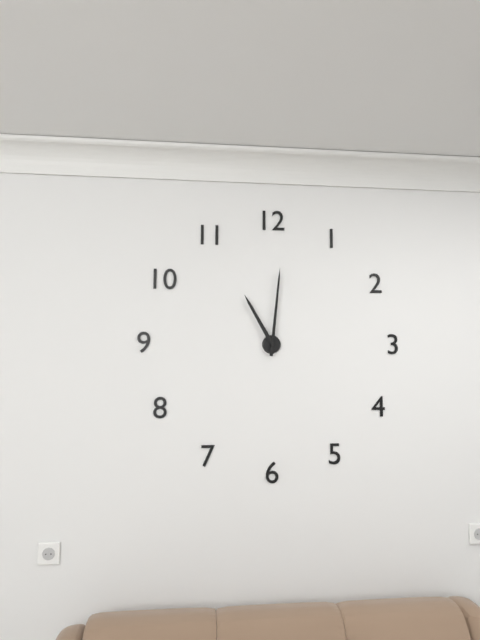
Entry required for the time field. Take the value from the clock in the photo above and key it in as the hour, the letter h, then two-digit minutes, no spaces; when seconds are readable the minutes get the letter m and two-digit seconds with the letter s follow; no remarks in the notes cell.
11h01
